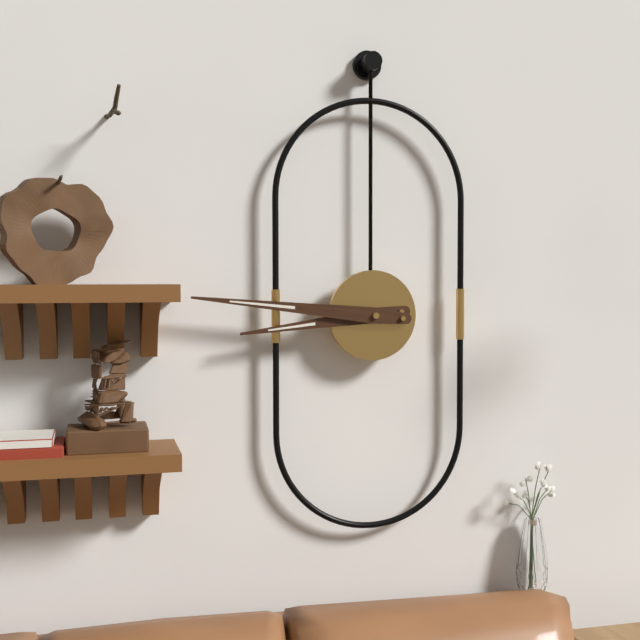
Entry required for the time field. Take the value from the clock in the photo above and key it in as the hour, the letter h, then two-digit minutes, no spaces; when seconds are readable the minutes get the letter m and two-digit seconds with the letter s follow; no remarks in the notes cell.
8h46
